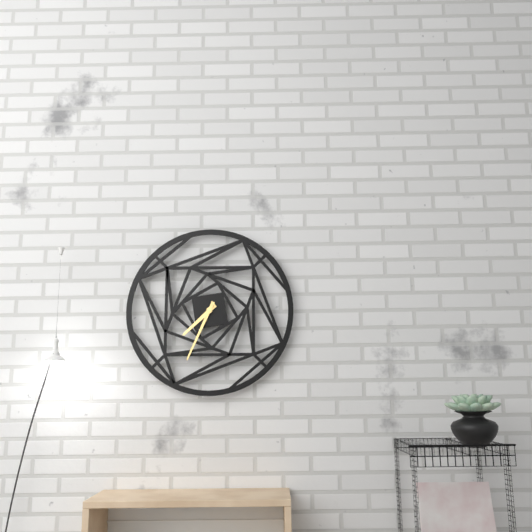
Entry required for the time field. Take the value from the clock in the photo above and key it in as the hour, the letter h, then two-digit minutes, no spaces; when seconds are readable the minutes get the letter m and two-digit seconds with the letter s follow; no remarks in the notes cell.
7h34
